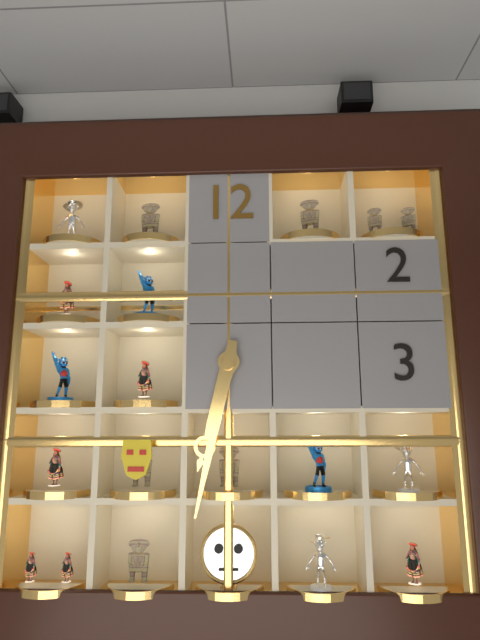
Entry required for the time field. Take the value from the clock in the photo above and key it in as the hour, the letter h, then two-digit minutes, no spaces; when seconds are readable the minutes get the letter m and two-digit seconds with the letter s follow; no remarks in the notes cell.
6h32
